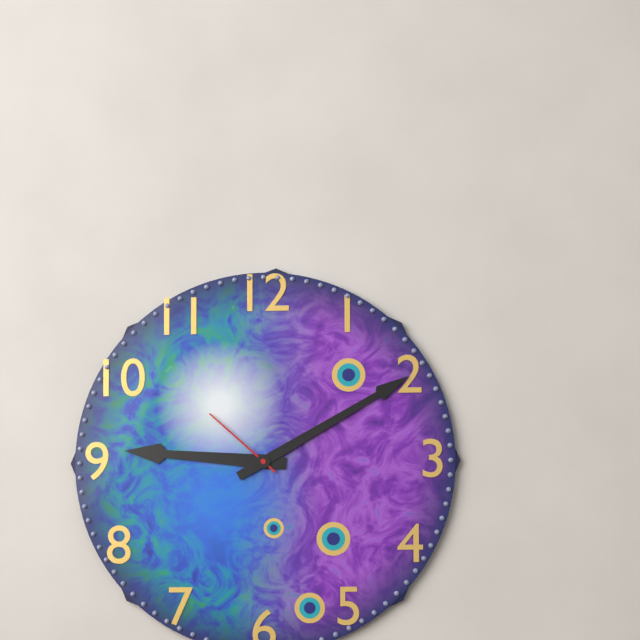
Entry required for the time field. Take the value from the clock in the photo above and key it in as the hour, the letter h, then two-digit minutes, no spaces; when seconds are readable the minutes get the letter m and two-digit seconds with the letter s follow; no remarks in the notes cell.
9h10m52s
